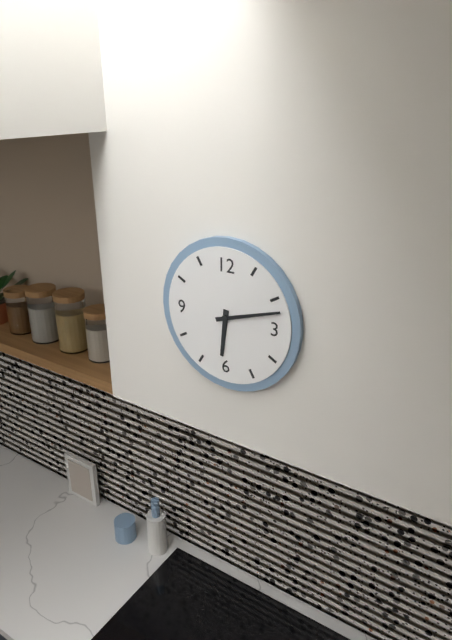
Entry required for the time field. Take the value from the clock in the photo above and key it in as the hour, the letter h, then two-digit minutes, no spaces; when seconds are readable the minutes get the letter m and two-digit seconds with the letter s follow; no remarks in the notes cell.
6h12
